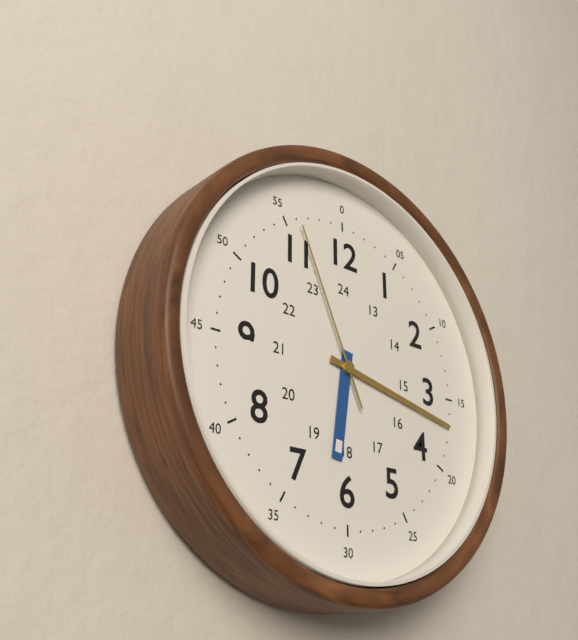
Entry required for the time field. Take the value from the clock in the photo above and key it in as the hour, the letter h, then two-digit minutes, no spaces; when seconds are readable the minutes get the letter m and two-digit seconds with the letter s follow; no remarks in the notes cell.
6h17m56s
